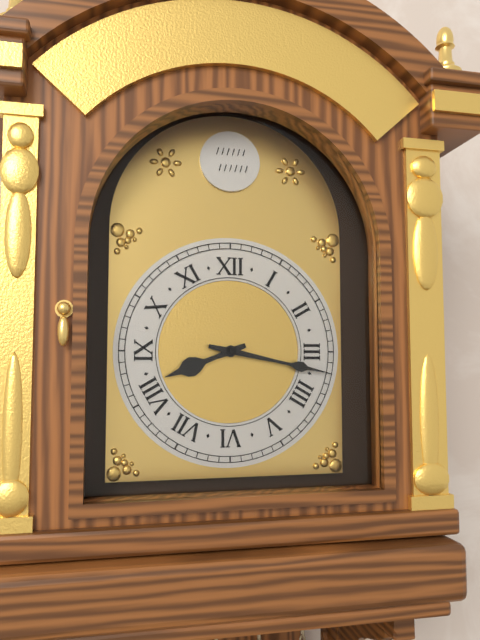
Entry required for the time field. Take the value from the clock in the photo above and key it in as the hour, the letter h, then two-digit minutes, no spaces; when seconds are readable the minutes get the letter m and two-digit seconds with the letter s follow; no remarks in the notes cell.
8h17
